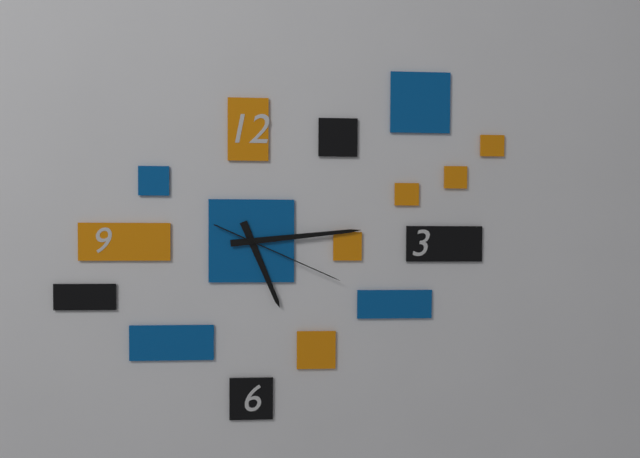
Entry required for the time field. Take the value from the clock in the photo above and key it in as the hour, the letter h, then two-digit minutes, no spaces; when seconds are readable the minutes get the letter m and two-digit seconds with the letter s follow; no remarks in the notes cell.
5h14m19s
